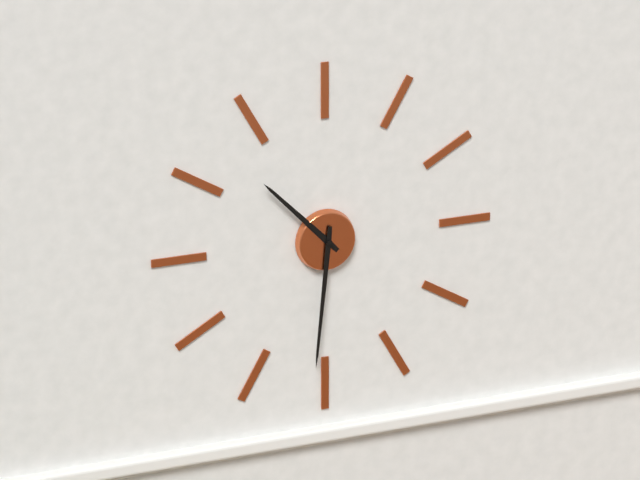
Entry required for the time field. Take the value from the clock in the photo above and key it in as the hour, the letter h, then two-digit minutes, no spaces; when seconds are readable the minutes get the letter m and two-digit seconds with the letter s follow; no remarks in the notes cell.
10h31
